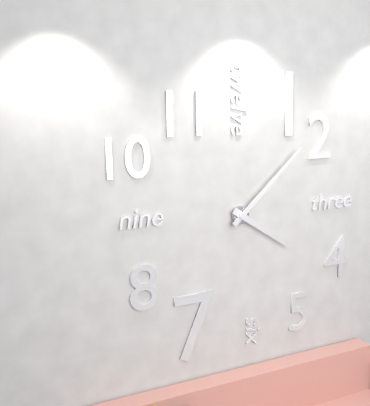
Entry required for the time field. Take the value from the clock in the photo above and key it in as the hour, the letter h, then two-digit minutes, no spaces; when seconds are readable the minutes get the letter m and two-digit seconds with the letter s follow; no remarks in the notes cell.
4h08
